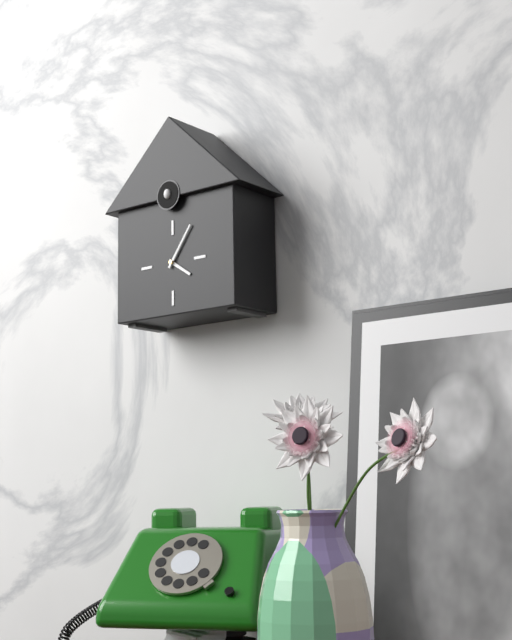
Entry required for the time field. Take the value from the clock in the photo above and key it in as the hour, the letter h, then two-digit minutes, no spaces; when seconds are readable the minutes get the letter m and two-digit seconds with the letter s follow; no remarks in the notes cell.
4h06
